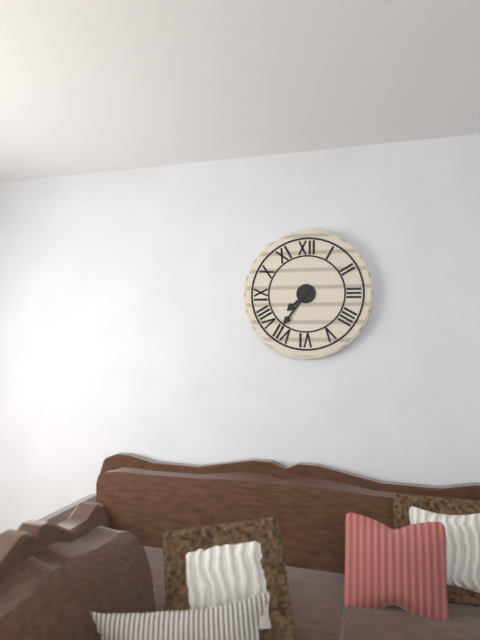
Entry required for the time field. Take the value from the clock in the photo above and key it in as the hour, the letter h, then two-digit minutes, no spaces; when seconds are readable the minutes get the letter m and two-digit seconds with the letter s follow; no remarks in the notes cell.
7h36
